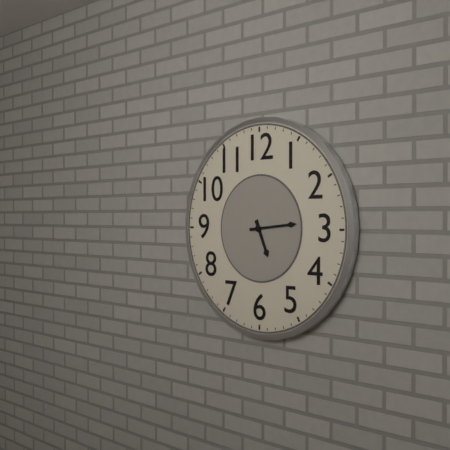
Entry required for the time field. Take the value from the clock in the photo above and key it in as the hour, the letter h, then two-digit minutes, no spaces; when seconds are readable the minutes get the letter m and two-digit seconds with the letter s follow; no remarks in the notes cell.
5h14
